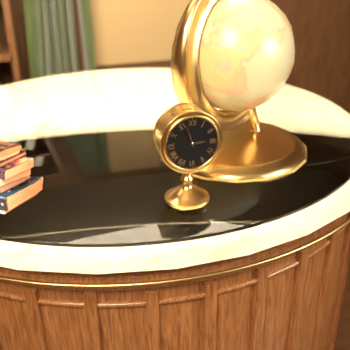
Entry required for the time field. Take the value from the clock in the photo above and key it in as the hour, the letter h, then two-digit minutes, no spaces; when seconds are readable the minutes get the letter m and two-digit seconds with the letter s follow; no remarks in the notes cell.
2h57
